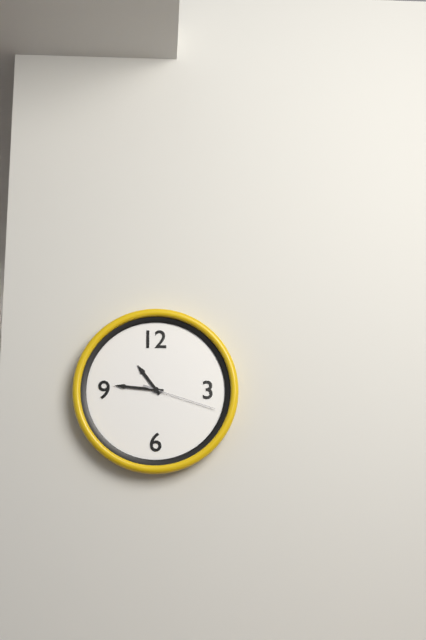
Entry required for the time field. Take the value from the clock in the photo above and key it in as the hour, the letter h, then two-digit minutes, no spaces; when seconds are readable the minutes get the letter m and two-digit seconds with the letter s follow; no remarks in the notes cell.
10h46m18s
